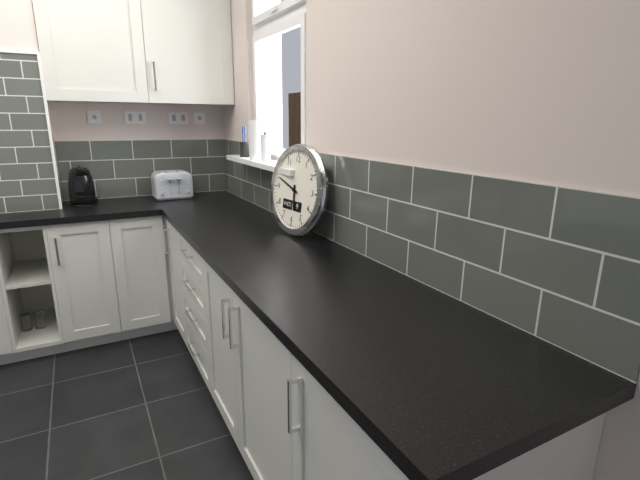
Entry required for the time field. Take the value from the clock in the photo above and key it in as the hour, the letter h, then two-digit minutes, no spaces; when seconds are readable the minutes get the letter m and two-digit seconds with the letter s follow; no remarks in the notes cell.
5h48
